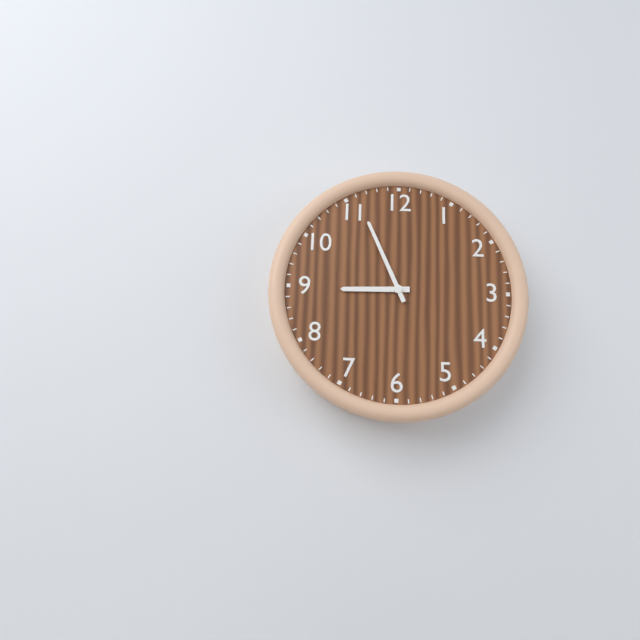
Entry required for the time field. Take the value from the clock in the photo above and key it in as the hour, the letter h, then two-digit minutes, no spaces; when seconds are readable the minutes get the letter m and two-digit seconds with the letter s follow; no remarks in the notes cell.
8h56
